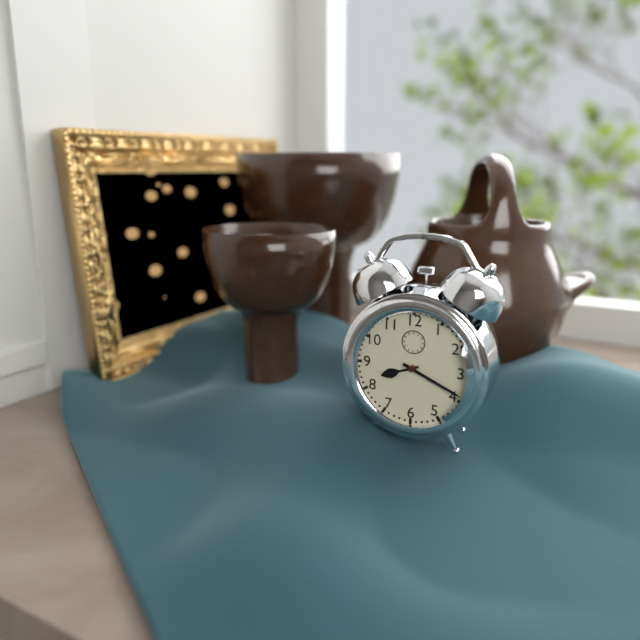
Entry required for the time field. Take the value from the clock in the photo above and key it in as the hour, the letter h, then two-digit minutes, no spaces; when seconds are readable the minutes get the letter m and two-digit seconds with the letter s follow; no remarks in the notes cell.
8h19
